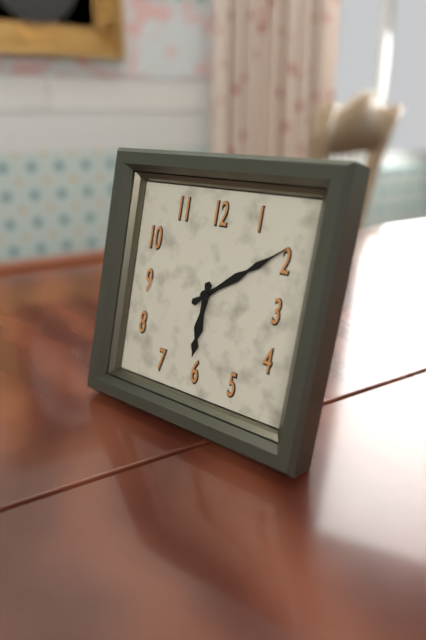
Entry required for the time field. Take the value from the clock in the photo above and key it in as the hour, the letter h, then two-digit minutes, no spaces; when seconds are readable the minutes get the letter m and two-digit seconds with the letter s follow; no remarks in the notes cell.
6h09
